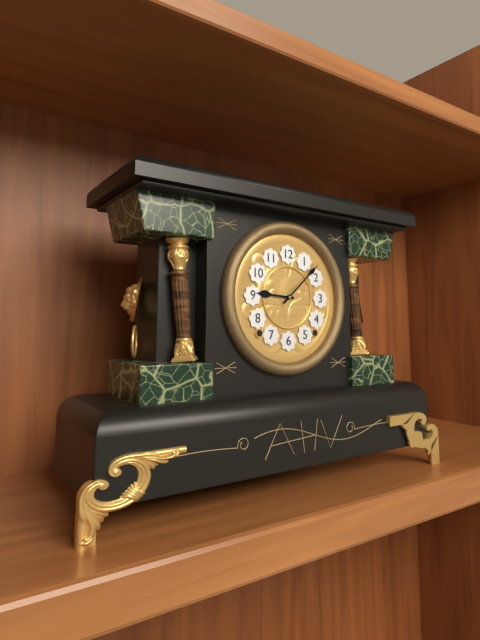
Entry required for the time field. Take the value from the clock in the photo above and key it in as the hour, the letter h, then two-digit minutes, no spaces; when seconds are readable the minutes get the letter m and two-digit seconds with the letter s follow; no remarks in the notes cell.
9h08
